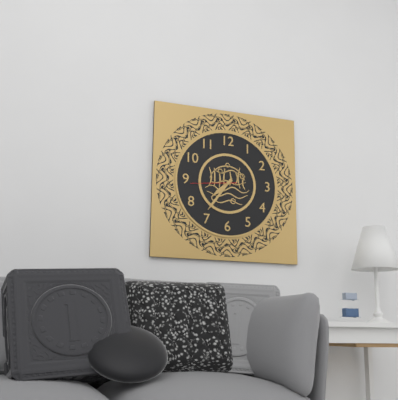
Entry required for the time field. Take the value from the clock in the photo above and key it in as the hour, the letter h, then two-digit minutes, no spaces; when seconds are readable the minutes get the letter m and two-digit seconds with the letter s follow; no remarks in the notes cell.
7h36
